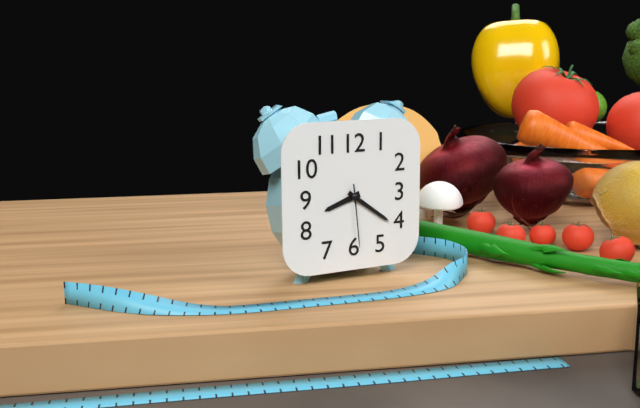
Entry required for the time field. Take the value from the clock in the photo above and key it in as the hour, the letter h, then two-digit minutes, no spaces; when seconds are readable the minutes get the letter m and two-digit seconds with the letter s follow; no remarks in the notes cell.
8h21m29s
